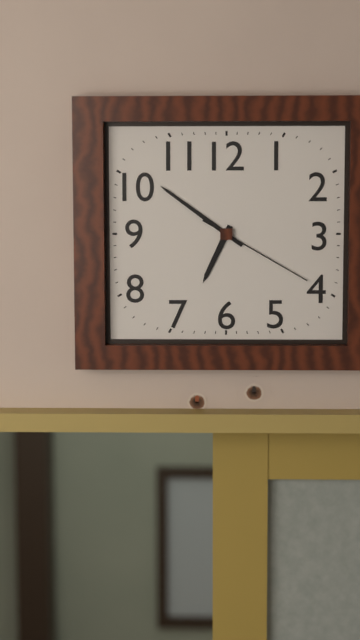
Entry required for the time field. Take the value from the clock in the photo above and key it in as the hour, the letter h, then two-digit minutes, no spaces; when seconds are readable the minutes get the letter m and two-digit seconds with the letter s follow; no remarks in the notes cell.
6h51m20s
